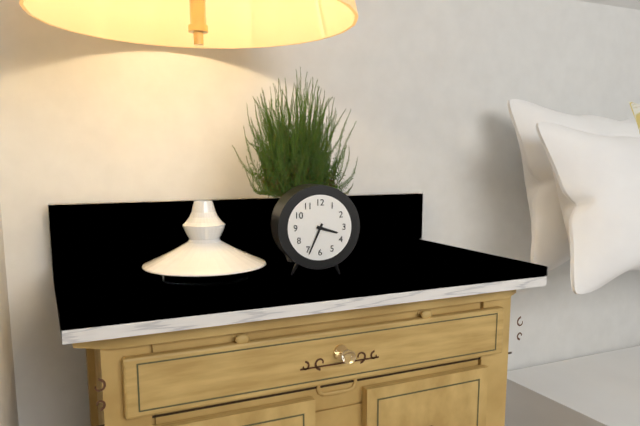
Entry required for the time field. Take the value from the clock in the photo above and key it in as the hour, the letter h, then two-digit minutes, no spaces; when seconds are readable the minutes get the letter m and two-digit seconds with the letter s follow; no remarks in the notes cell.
3h34
